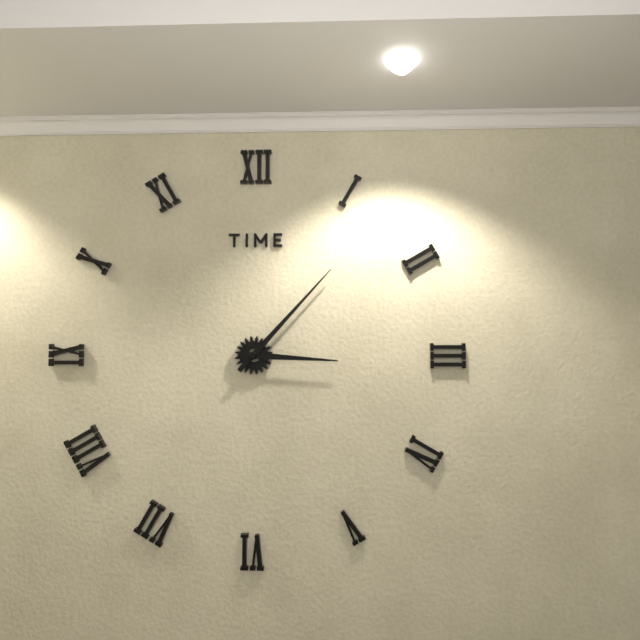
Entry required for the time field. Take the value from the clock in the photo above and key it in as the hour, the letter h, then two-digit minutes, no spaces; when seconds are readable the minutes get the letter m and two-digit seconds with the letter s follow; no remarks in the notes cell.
3h07
